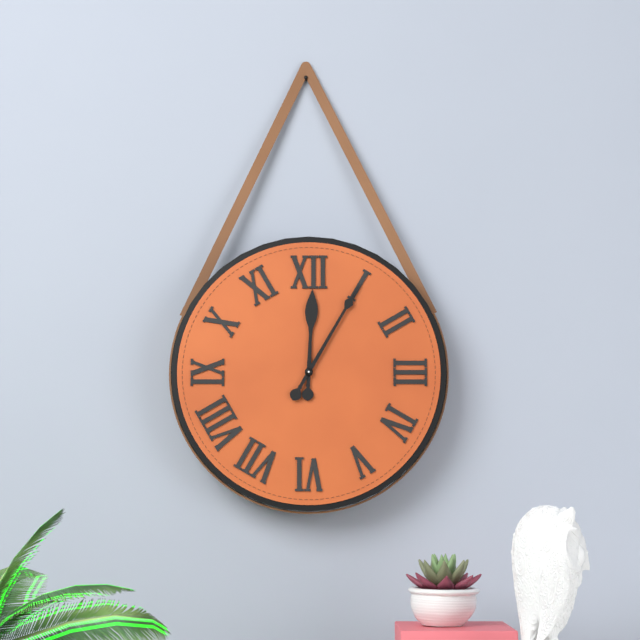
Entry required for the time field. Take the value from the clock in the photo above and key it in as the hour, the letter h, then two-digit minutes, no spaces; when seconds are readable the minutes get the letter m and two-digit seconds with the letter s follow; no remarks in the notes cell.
12h05
